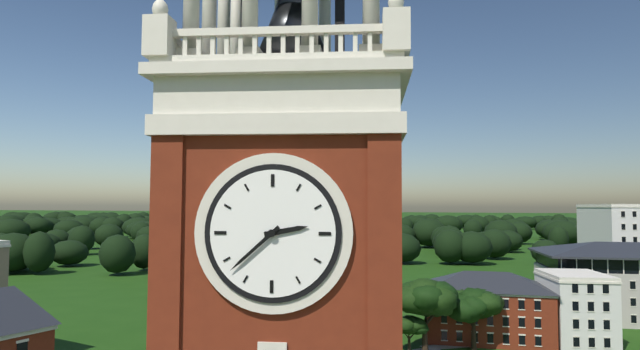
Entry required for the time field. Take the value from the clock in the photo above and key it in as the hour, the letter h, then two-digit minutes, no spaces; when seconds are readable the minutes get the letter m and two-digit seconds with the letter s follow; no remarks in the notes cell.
2h38
